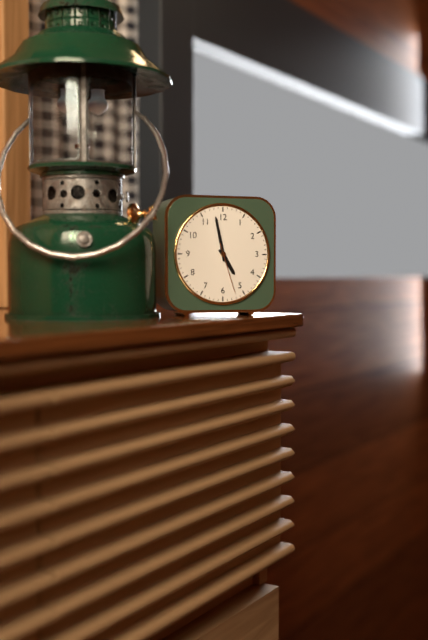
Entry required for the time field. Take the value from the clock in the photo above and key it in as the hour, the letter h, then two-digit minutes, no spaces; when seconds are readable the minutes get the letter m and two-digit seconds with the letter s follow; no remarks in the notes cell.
4h58m27s
